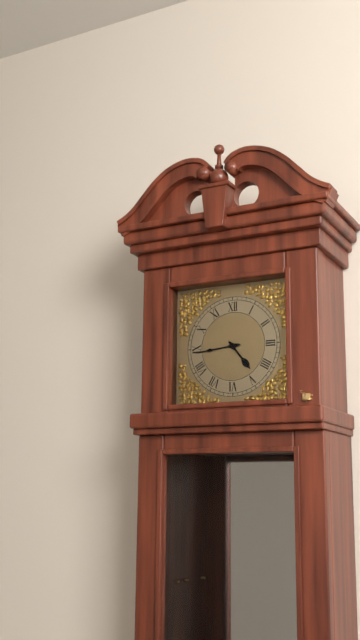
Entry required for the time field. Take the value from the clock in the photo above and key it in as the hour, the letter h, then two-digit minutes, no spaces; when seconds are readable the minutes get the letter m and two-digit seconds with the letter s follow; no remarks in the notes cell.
4h44
